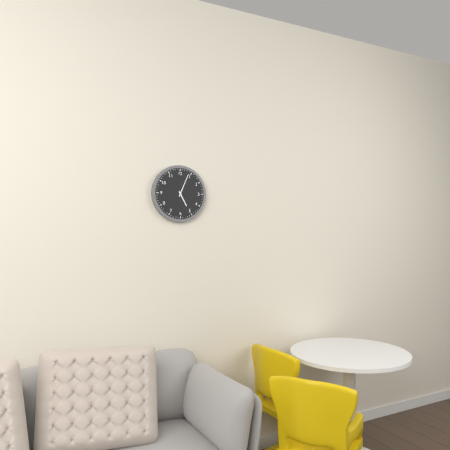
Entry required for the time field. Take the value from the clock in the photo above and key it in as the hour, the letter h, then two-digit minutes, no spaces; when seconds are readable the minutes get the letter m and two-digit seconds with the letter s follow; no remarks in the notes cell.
5h04
